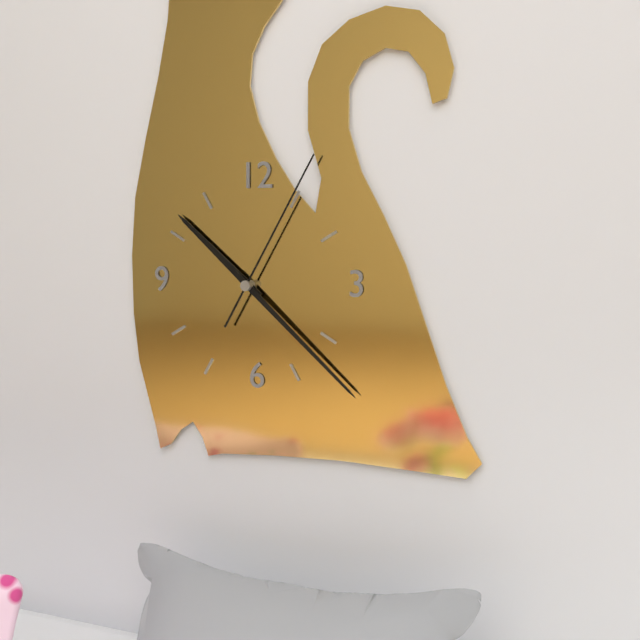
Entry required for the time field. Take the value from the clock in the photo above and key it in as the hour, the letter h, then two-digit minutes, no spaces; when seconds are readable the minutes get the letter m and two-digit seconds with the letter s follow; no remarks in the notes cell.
10h22m05s
